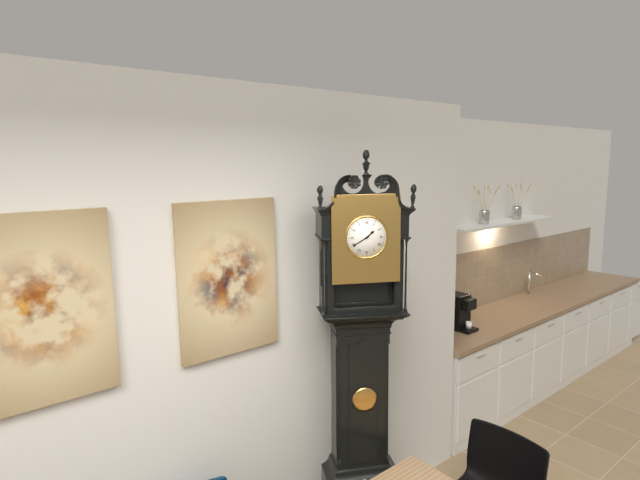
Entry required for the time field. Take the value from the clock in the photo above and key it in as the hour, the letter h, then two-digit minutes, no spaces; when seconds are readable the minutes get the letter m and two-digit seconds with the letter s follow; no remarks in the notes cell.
1h40
